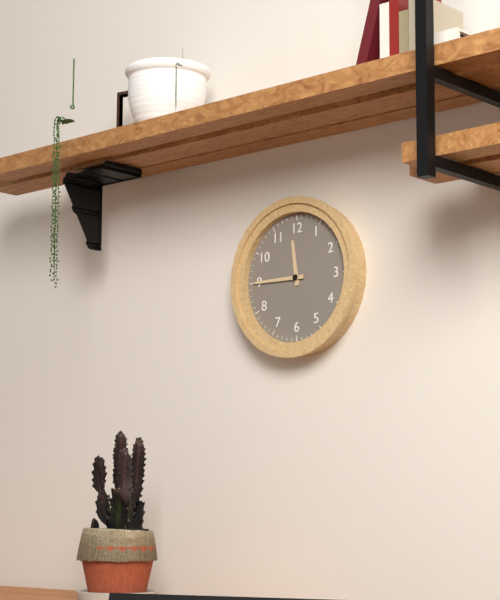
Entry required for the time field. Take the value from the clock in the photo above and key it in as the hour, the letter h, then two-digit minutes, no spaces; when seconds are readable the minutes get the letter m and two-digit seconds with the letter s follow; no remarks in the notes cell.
11h45
